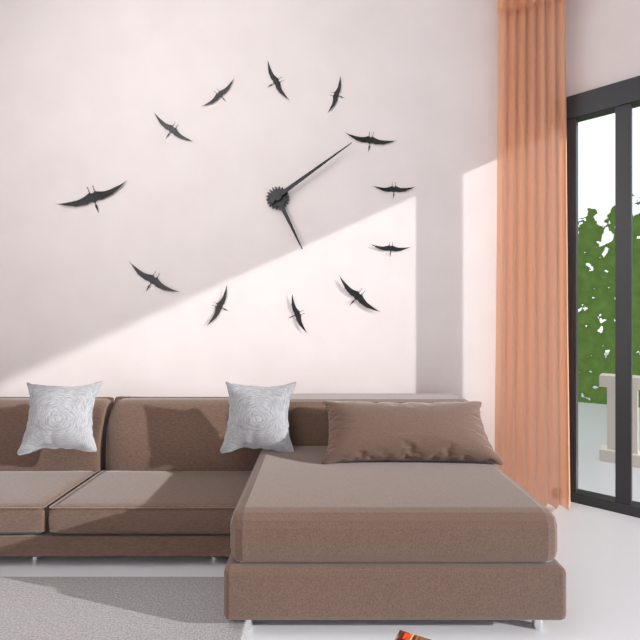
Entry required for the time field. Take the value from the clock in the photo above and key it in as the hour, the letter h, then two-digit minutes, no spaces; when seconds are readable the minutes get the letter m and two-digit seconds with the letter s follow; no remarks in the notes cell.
5h09
